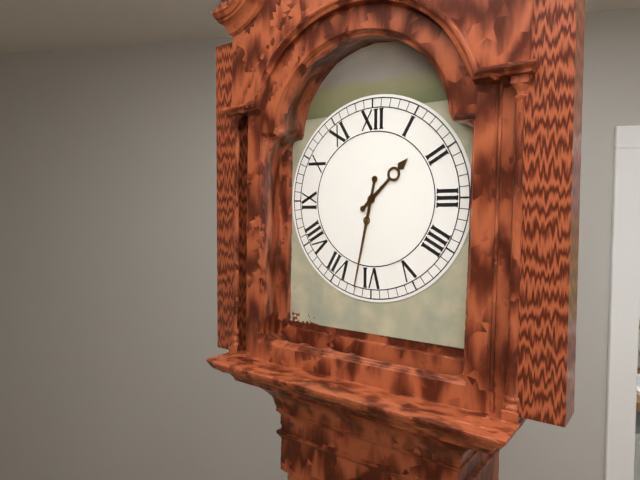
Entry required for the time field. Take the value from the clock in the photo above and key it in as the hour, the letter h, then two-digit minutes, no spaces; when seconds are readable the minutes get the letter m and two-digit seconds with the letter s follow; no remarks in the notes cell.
1h32
